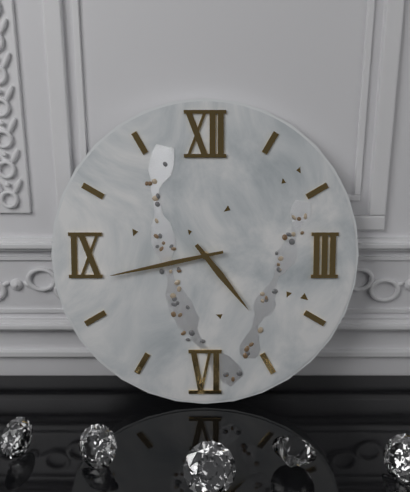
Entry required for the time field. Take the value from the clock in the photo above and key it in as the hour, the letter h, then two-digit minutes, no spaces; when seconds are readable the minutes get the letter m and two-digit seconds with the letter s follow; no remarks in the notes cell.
4h43
